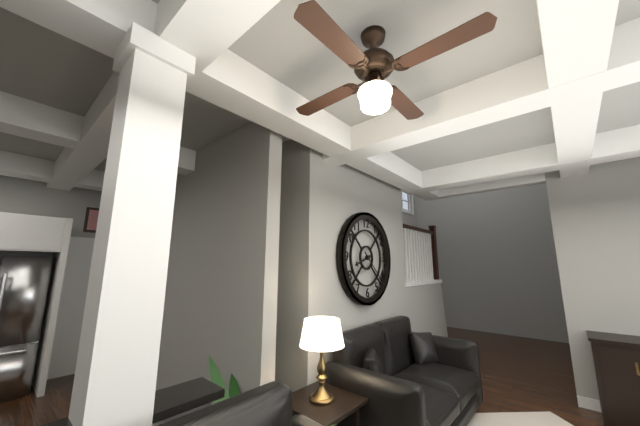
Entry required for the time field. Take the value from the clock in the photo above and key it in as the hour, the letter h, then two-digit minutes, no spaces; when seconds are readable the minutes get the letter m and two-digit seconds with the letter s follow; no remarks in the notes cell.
8h22
